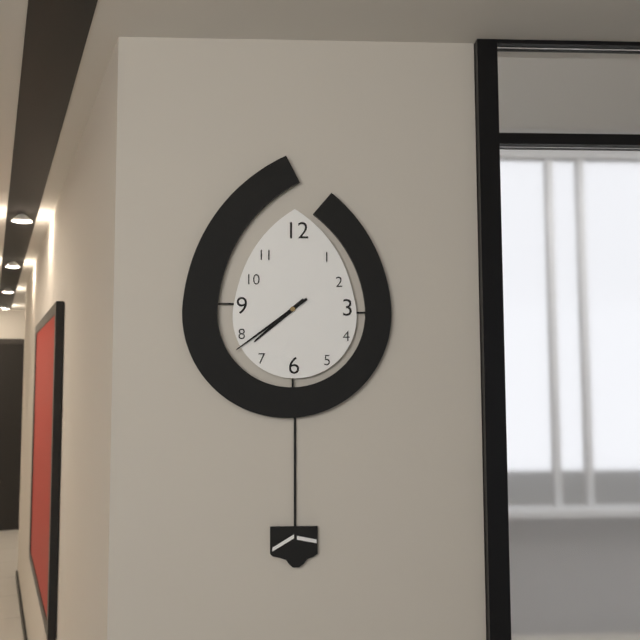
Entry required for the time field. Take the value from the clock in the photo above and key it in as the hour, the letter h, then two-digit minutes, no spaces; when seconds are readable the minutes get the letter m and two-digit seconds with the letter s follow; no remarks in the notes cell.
7h39
